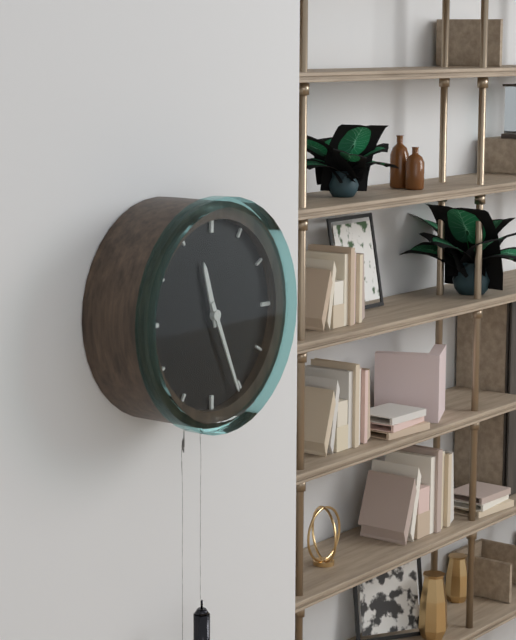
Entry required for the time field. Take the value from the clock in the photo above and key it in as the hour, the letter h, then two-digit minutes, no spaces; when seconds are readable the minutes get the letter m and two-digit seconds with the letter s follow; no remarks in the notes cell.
11h26
